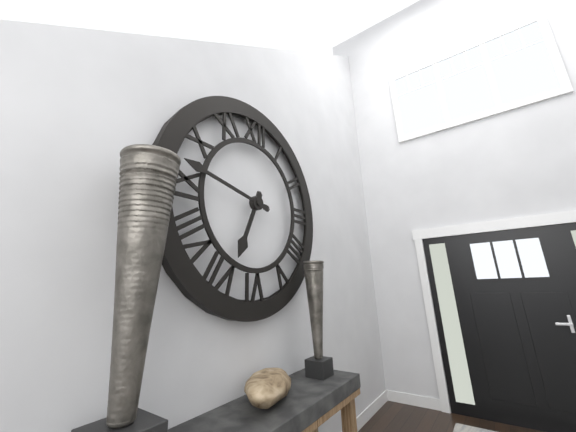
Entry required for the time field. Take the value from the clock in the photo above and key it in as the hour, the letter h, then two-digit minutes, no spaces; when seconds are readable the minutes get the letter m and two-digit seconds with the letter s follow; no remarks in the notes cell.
6h47
